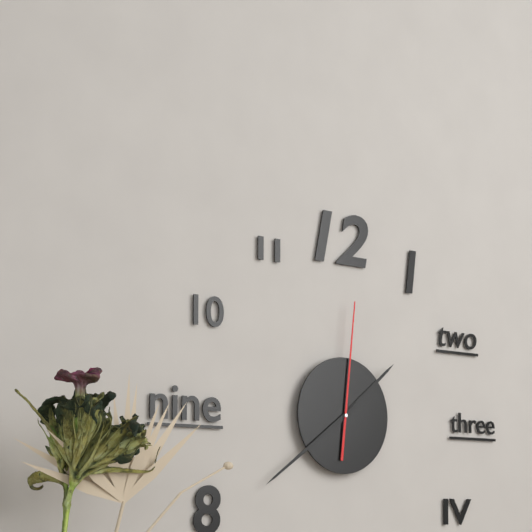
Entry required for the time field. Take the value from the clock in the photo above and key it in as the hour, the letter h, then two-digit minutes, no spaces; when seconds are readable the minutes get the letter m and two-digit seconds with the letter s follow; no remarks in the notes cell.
1h39m01s
